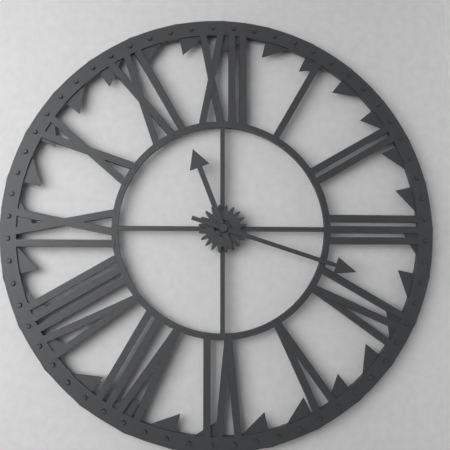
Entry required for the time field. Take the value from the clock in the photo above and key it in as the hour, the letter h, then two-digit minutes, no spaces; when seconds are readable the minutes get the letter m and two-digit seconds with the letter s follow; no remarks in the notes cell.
11h18
